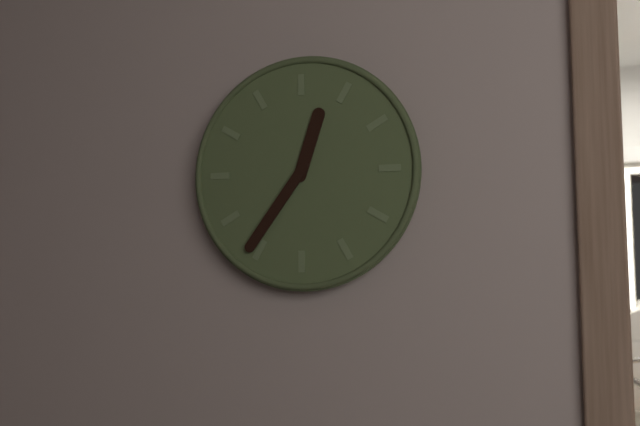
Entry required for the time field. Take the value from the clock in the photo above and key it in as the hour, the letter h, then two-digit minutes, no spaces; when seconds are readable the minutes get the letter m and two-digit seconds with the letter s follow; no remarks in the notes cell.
12h36
